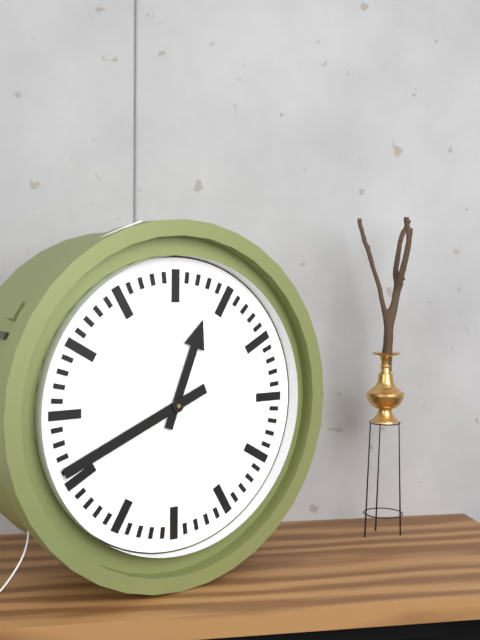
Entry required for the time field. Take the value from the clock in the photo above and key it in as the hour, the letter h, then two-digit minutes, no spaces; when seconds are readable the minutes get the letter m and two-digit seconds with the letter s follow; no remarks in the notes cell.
12h41
